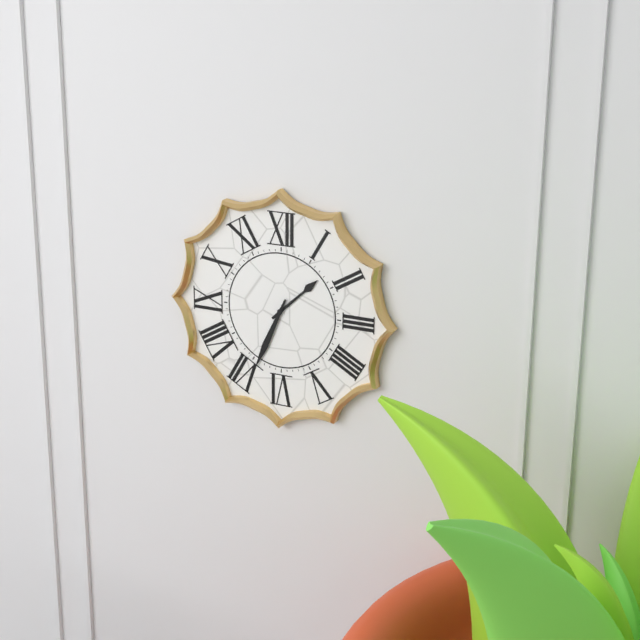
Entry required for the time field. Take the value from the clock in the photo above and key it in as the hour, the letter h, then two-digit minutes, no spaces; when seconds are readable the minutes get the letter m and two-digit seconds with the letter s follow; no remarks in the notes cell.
1h34
